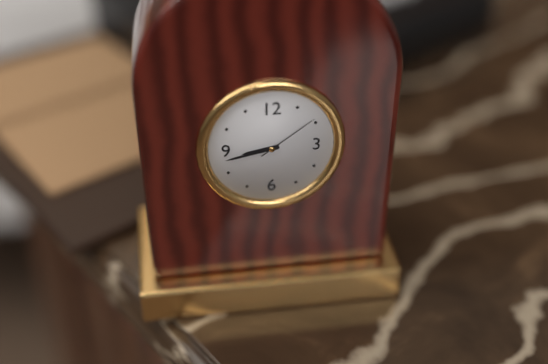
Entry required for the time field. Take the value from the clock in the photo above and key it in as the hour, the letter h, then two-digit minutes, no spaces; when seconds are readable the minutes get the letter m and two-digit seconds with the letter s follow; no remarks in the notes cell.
8h43m09s
